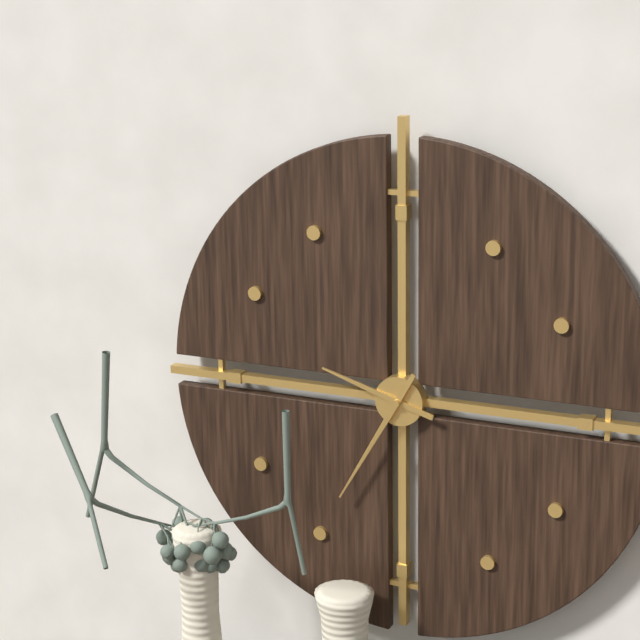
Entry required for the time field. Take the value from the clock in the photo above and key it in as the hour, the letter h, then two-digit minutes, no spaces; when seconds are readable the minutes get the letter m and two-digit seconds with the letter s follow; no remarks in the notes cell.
9h35
